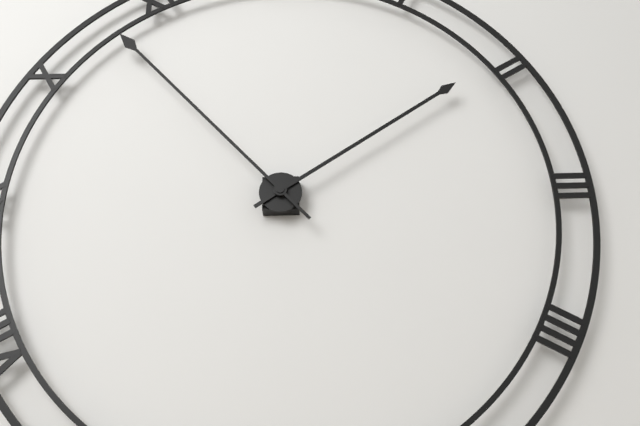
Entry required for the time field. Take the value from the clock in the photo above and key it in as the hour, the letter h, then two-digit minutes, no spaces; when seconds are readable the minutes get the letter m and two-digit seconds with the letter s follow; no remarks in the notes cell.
1h53
